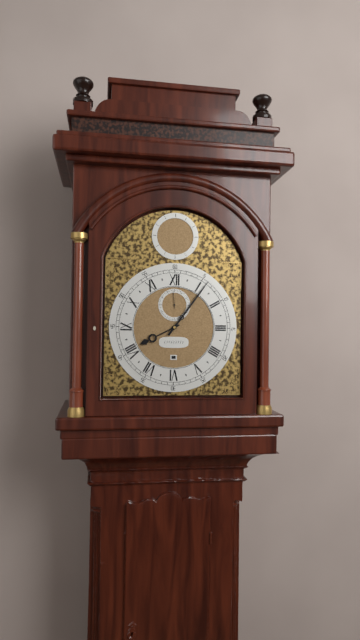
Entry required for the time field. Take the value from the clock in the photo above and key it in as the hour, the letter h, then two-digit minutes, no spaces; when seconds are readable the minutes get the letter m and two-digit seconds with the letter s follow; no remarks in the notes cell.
8h06
